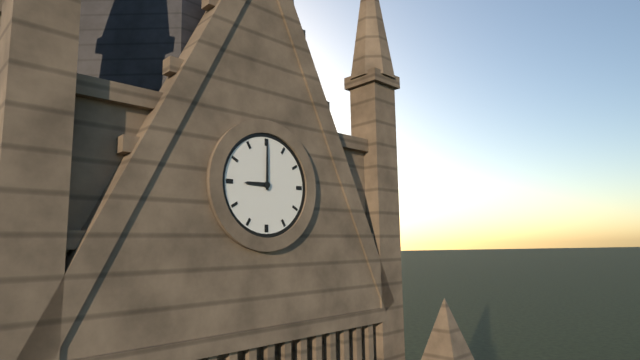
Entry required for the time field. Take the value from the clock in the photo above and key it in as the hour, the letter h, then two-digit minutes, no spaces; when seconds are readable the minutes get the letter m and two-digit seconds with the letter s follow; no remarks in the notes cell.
9h00
